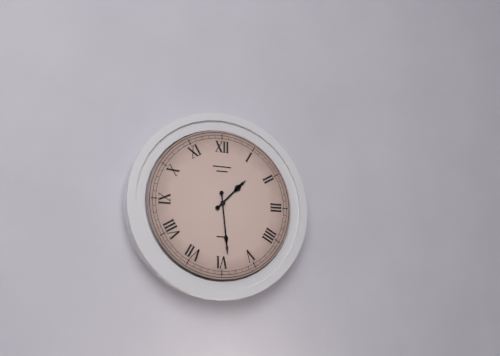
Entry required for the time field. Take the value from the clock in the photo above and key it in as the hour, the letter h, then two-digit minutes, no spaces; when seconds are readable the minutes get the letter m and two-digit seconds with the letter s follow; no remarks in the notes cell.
1h29
